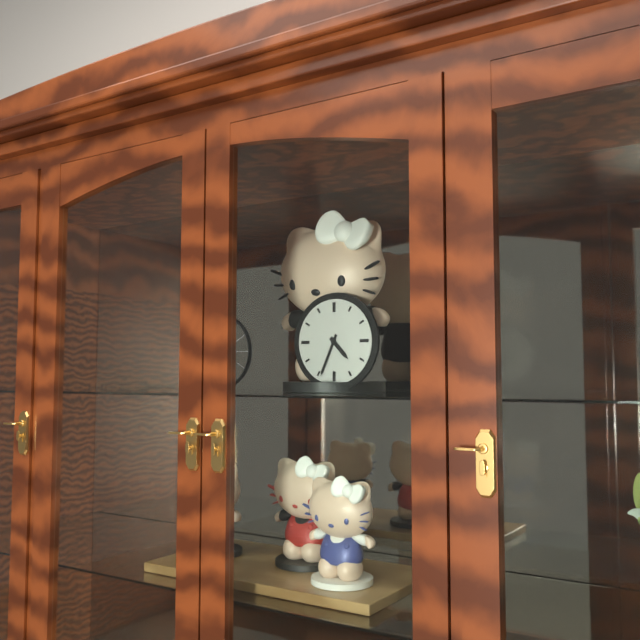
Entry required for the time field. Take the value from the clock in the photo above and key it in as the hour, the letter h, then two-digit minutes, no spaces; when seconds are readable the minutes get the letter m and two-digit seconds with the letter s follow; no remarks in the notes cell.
4h34
